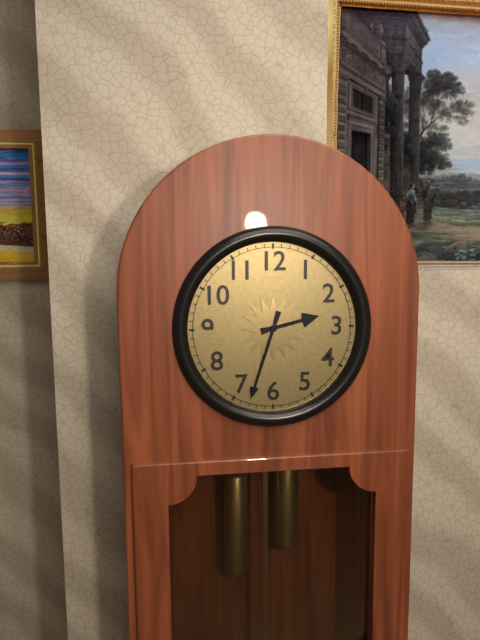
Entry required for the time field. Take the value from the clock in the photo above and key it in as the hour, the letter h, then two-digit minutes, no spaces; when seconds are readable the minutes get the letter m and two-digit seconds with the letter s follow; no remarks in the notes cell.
2h33
